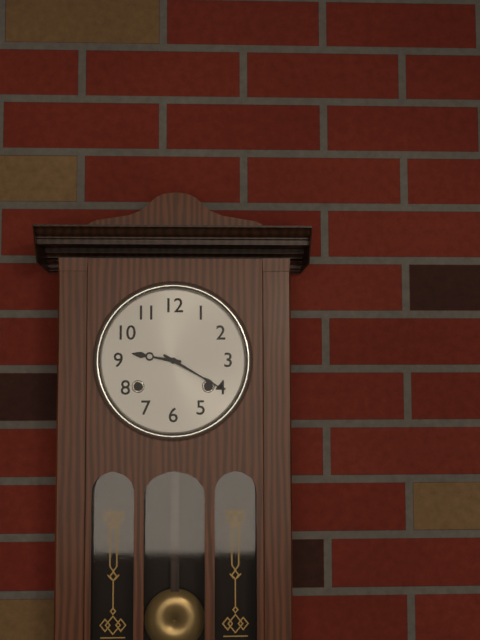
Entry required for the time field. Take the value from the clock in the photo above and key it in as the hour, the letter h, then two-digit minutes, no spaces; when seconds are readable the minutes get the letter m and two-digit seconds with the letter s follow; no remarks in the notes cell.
9h20
